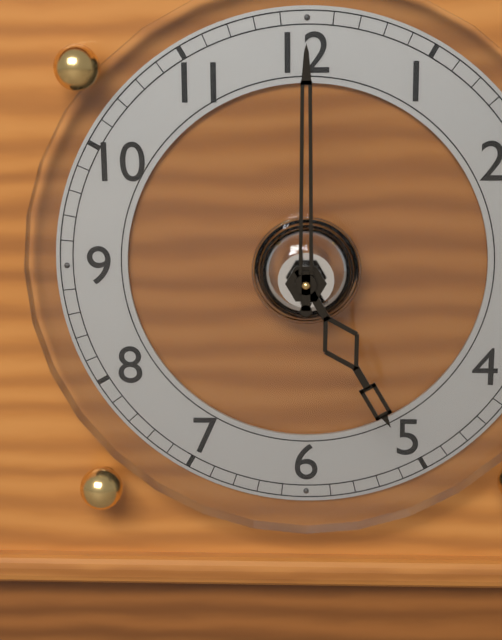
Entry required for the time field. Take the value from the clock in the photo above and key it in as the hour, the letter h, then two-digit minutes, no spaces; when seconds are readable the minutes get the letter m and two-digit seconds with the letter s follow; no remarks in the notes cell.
5h00
